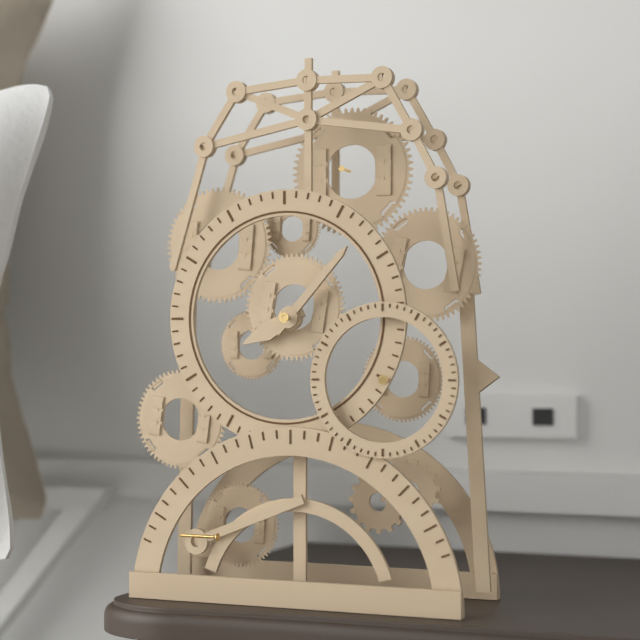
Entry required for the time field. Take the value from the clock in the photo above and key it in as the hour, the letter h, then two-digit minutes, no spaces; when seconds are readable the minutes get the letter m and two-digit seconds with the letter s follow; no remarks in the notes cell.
8h07
